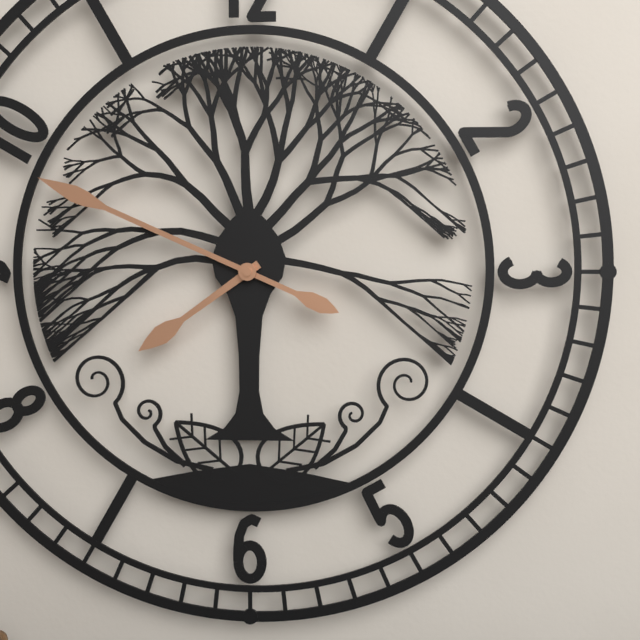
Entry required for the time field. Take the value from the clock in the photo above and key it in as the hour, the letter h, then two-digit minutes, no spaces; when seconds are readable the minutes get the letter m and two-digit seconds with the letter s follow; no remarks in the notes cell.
7h49
